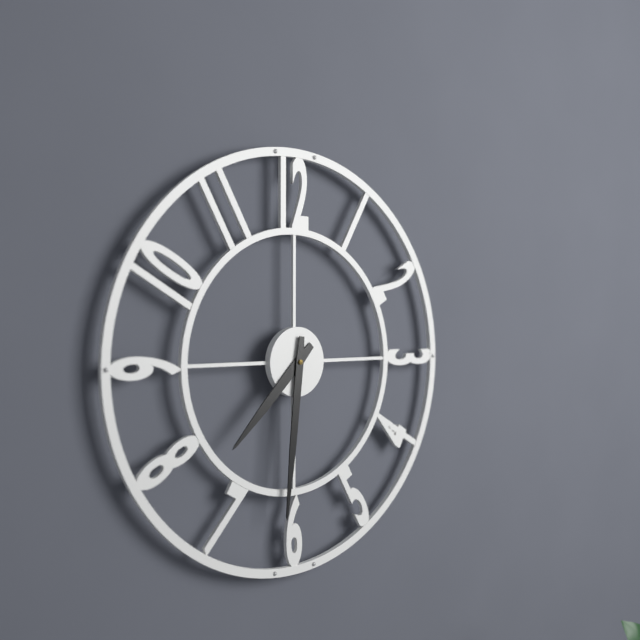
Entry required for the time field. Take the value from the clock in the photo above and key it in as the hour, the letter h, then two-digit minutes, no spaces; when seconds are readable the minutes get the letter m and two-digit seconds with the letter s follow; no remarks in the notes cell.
7h31
